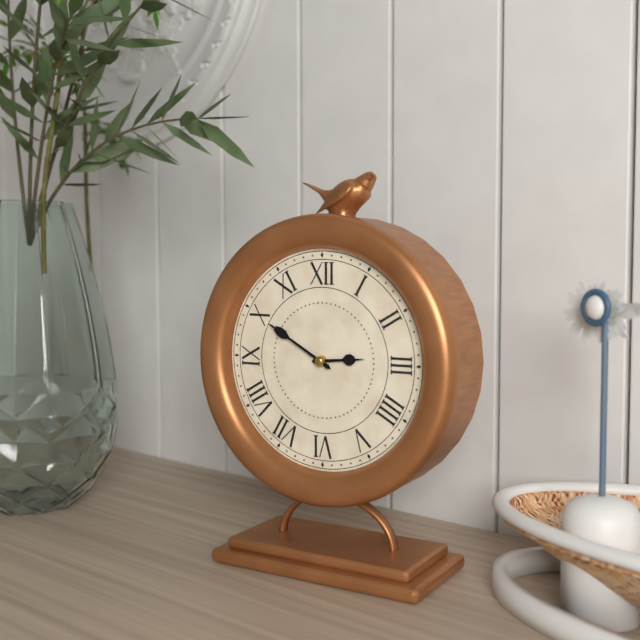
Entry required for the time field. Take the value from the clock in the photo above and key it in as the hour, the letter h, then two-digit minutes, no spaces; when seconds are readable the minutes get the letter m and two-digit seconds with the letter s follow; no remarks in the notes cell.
2h50
